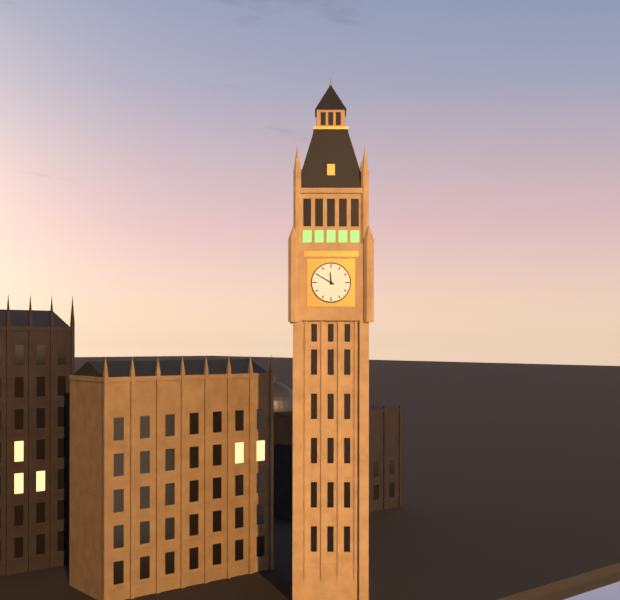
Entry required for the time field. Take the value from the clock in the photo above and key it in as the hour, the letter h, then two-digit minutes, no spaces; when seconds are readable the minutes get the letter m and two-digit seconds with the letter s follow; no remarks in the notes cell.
11h50
